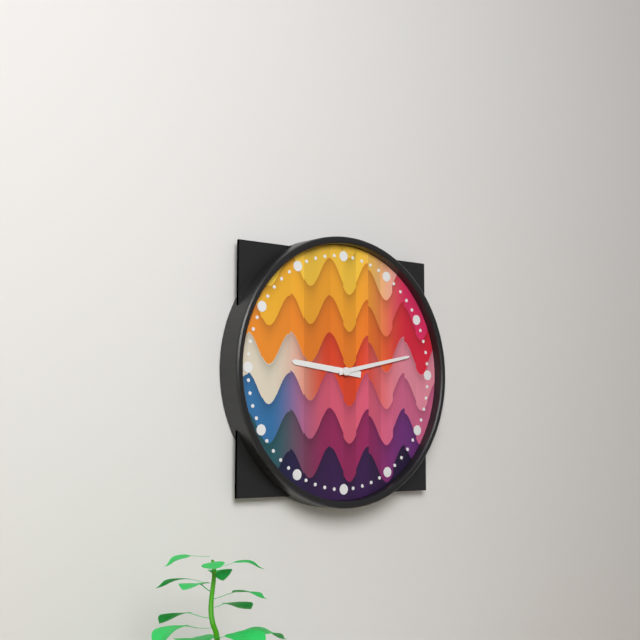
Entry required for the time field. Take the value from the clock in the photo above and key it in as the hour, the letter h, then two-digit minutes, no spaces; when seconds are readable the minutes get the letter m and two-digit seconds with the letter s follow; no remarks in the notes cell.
9h13
